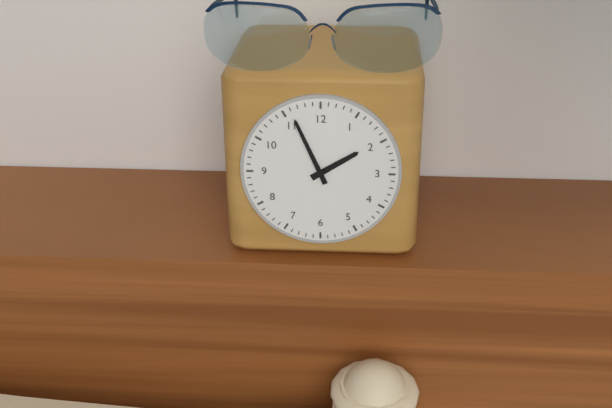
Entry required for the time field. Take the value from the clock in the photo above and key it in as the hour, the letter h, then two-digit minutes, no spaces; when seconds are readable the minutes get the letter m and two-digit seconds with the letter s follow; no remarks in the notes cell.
1h56
